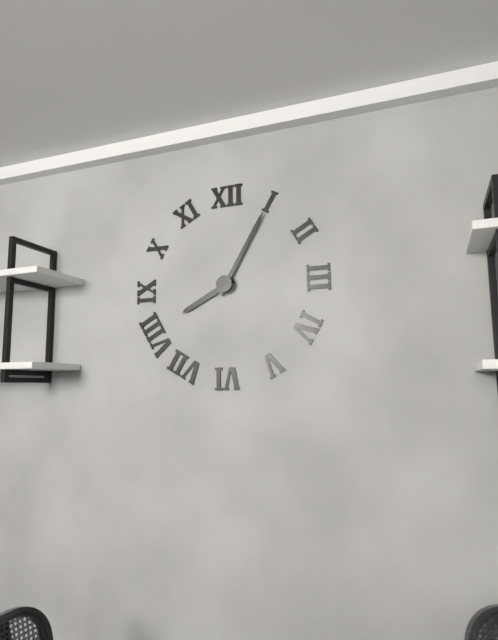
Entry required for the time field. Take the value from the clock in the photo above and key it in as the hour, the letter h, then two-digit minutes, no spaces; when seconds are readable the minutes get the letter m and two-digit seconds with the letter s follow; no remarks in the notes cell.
8h05
